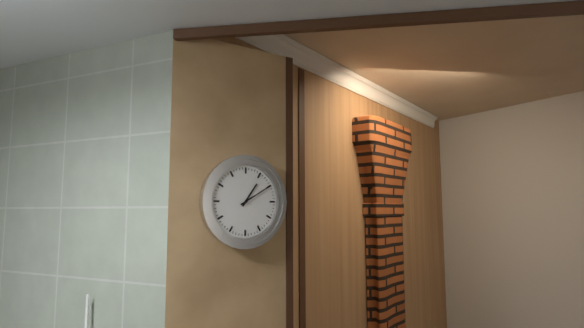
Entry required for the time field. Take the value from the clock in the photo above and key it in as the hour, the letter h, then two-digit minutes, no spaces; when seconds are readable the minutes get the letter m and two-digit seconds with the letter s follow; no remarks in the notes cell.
1h10
